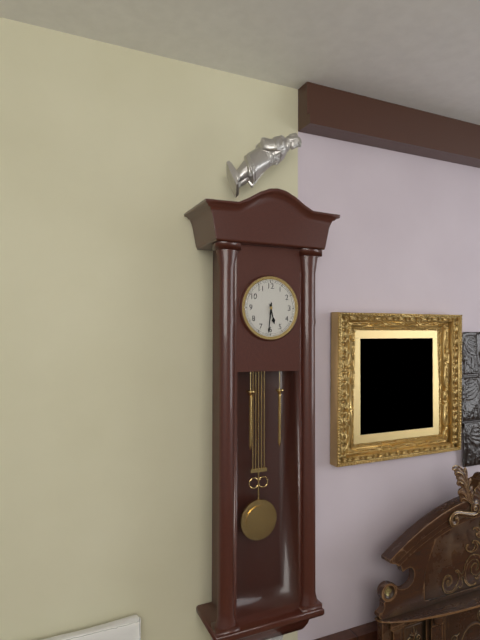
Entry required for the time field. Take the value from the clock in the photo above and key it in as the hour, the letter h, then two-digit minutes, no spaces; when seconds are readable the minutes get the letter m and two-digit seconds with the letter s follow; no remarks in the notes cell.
5h31
